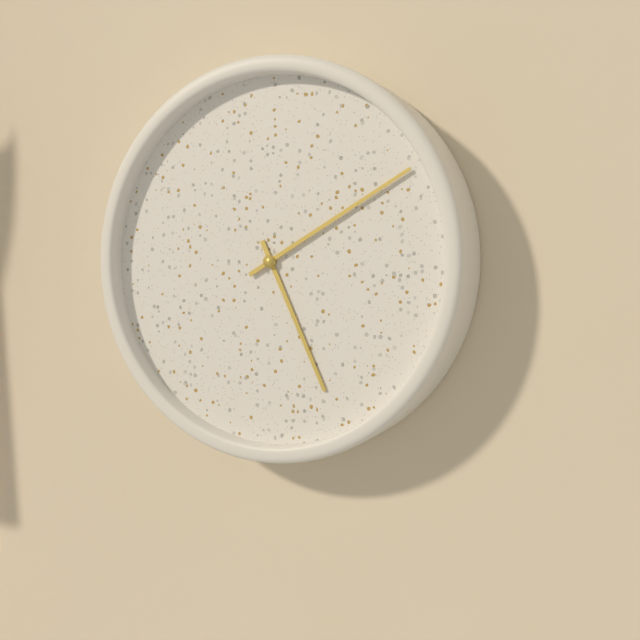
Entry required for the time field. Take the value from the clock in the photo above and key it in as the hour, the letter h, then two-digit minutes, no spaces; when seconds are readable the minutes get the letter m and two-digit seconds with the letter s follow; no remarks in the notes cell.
5h10
